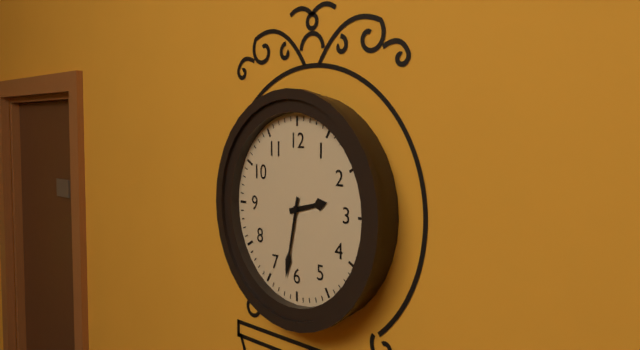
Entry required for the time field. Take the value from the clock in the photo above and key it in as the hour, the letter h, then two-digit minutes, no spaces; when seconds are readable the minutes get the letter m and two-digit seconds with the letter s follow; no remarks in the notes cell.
2h32
